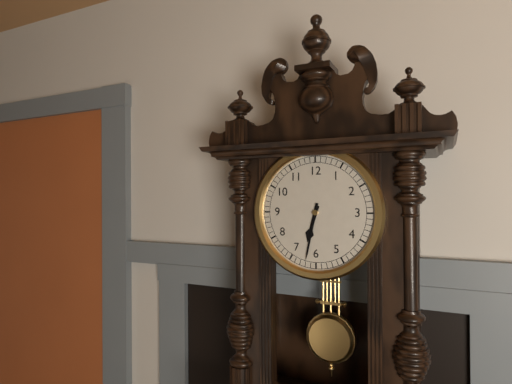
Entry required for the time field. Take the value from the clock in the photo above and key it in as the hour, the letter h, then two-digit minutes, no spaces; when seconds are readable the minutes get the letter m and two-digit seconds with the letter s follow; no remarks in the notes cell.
6h32
